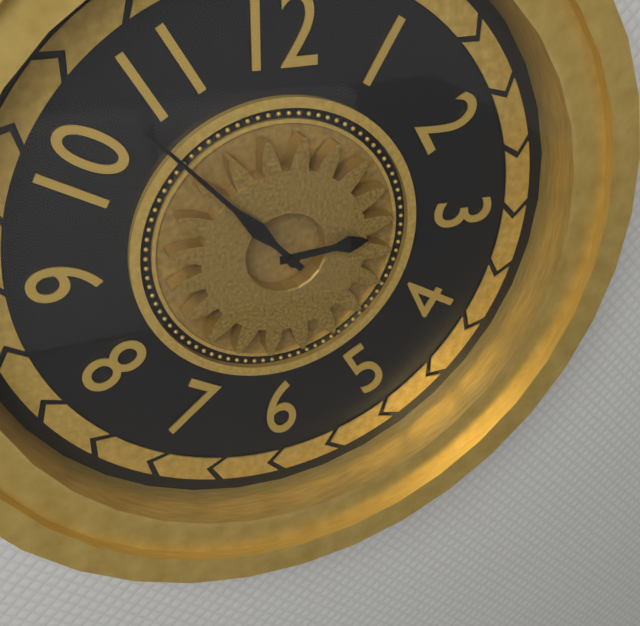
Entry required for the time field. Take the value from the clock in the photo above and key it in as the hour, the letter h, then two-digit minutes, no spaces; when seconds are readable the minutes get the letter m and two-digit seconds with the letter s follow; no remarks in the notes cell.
2h53
